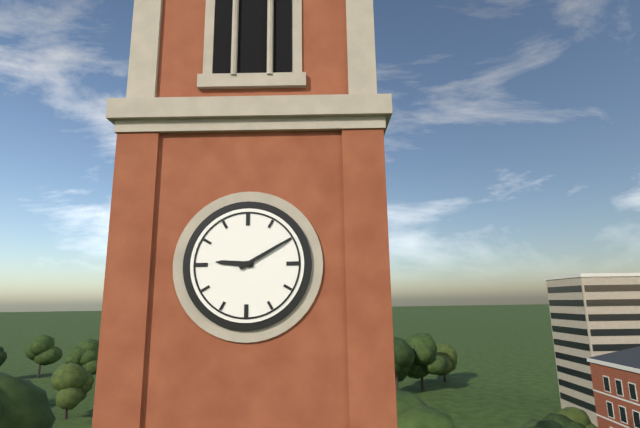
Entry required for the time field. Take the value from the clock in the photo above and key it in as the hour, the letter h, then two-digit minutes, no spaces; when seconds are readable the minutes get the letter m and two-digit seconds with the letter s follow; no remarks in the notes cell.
9h10
